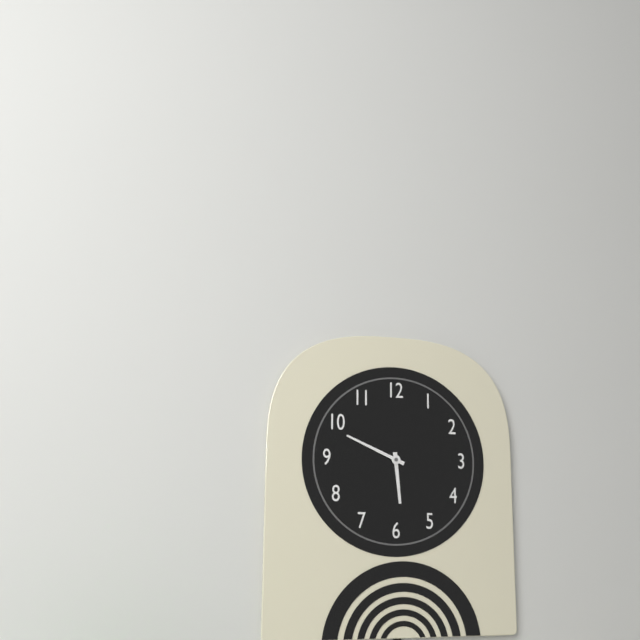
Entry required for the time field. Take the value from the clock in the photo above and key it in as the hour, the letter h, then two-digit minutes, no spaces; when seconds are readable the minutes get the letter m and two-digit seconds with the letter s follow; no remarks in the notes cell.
5h49
